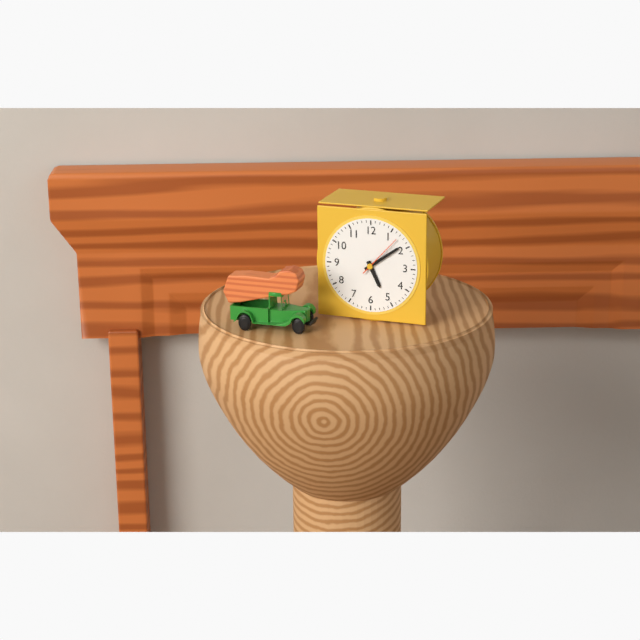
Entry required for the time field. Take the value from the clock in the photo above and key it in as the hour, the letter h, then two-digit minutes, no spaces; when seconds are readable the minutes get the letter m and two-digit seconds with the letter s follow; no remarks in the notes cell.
5h09
